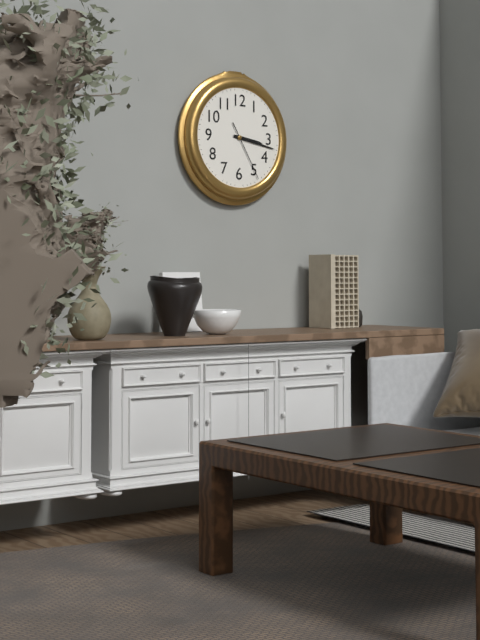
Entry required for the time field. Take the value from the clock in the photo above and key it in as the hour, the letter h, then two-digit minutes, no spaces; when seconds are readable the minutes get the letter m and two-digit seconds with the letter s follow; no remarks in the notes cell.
3h17m25s
